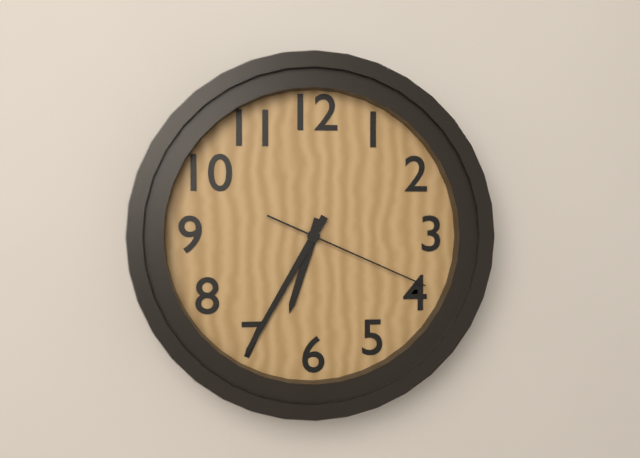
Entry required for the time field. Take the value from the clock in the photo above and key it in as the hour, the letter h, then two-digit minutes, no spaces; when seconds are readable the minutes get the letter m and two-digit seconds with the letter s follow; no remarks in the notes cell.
6h35m19s
